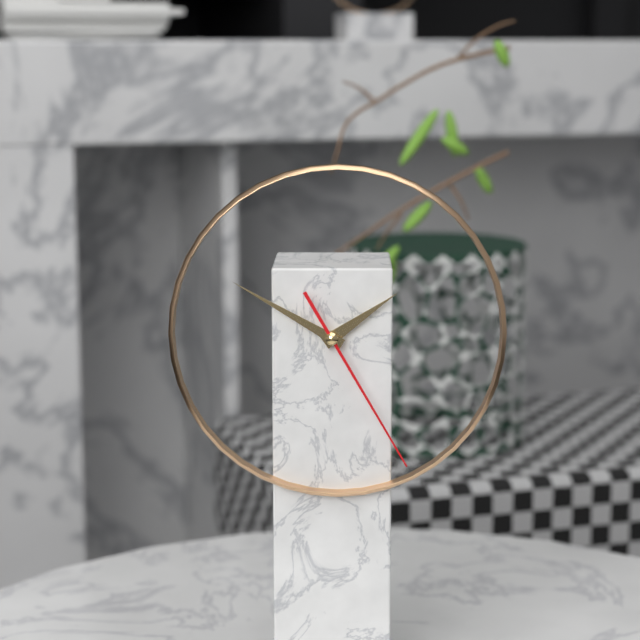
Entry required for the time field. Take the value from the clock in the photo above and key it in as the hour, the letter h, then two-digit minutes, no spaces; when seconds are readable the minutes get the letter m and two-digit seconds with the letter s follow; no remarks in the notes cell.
1h50m25s
